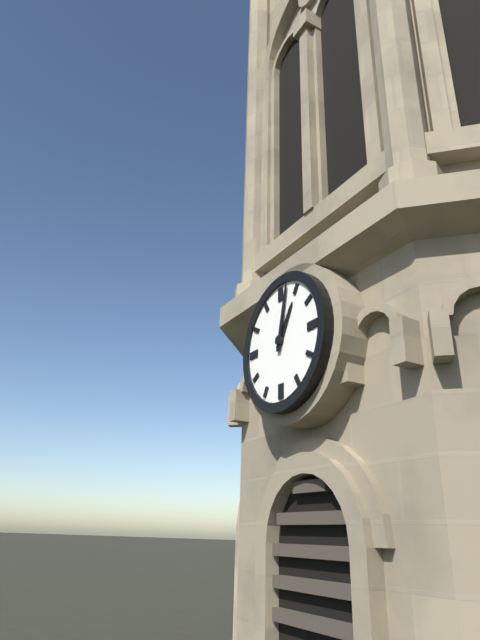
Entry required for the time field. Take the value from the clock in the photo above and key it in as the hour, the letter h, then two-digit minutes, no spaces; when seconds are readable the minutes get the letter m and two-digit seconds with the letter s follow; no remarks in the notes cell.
1h02
